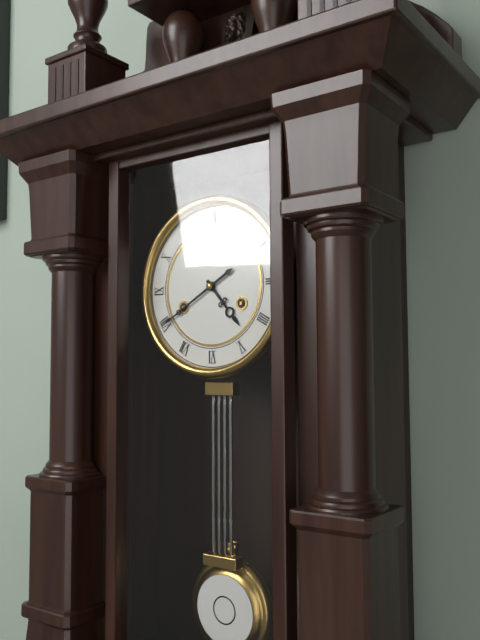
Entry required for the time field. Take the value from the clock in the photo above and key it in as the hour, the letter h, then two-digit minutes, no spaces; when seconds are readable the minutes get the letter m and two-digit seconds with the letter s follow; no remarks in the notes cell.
4h40
